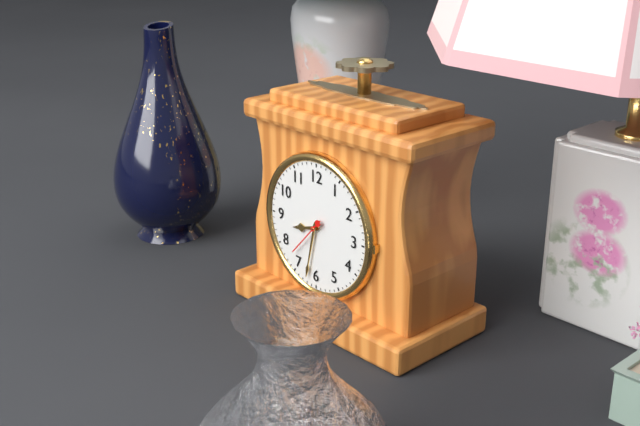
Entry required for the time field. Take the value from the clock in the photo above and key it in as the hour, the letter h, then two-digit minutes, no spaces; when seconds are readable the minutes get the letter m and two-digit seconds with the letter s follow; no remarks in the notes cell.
8h32
